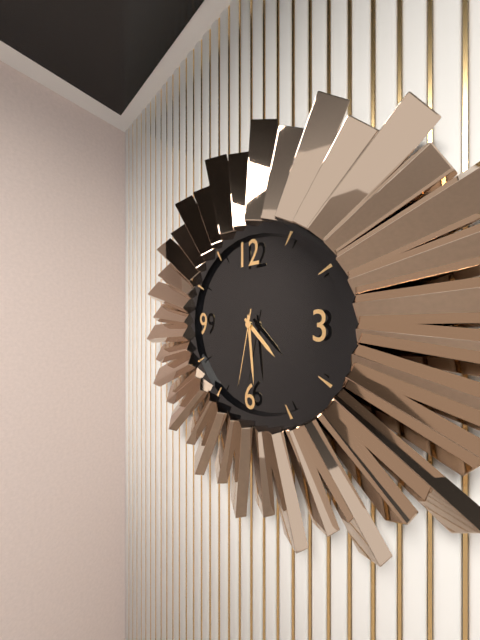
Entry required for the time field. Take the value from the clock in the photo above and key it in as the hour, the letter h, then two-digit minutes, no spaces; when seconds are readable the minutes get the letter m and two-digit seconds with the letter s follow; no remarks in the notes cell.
4h29m32s
